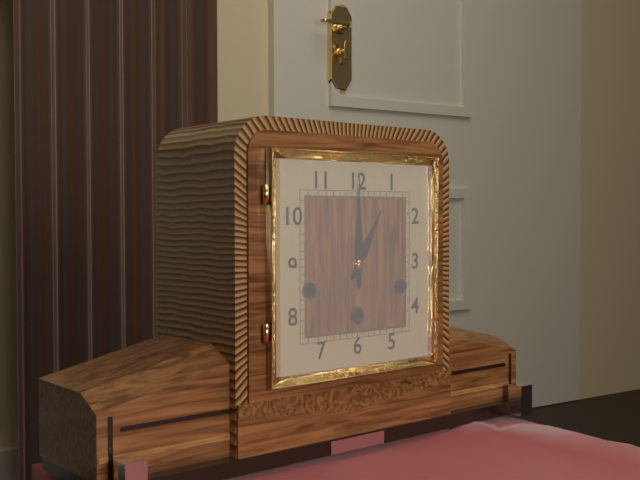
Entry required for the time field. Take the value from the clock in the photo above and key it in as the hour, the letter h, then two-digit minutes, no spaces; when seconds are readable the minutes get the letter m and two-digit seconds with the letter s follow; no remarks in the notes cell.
1h00
